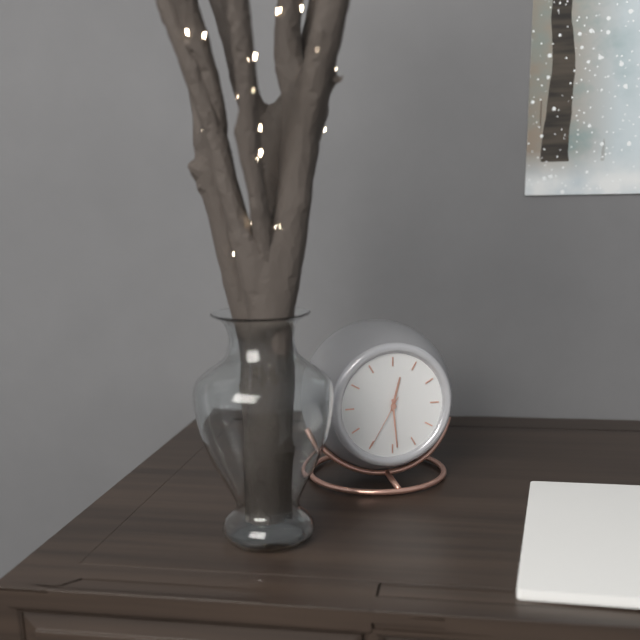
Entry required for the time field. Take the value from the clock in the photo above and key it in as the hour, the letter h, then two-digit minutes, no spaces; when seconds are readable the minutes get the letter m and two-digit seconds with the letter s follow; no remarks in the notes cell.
12h29m35s
